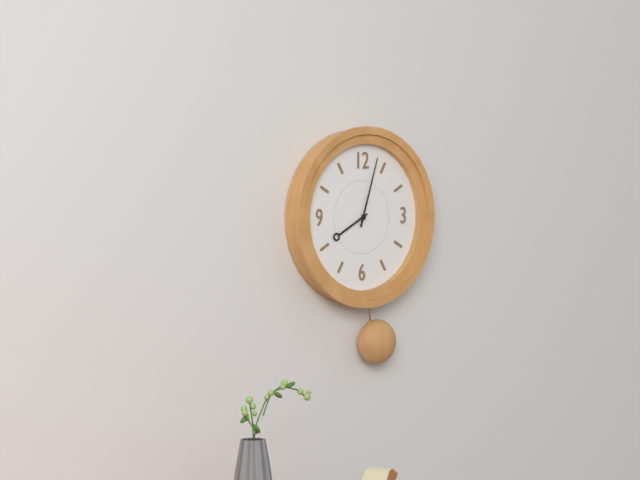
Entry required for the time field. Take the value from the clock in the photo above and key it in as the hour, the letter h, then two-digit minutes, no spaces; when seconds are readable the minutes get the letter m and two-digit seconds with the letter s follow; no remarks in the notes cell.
8h03
